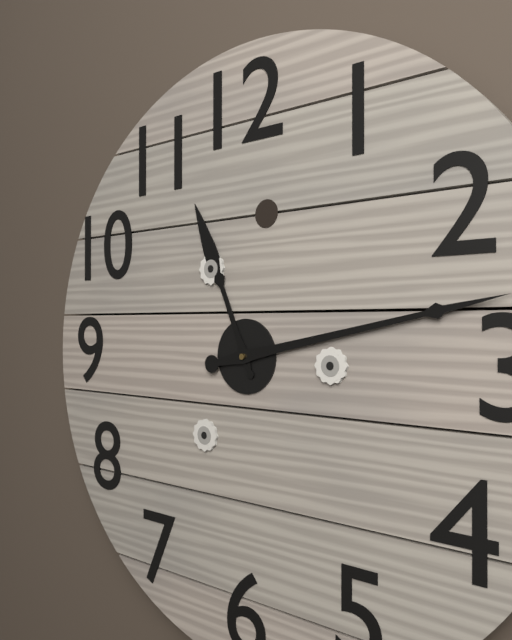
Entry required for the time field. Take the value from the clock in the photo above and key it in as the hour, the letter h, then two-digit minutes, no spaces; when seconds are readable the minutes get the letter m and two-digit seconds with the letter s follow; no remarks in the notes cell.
11h13
